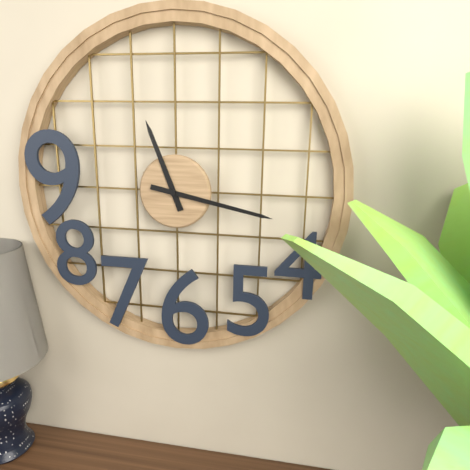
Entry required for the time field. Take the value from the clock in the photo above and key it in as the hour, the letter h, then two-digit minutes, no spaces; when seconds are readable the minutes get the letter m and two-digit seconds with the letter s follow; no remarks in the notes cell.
11h17
